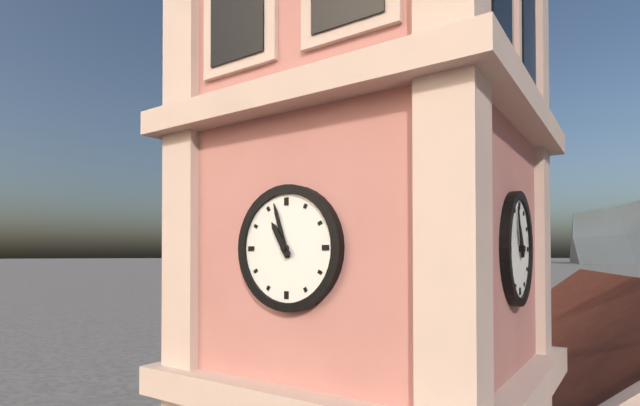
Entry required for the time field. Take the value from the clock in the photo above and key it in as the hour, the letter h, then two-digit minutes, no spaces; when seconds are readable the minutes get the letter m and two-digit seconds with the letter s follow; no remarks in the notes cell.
10h57
